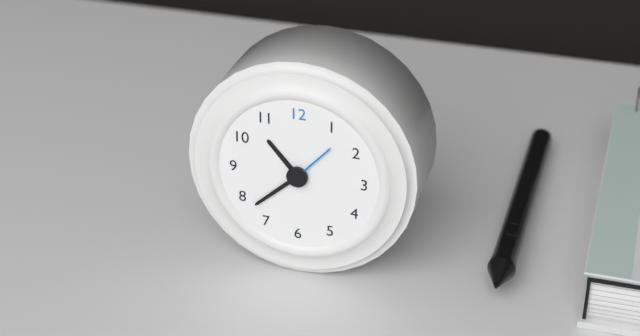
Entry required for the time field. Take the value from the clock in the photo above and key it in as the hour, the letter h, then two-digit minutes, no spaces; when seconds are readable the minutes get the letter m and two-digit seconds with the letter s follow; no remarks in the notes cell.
10h38m07s
